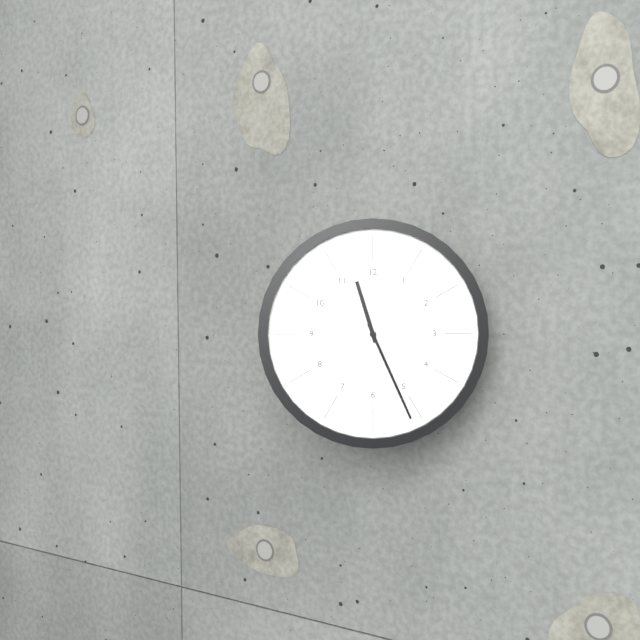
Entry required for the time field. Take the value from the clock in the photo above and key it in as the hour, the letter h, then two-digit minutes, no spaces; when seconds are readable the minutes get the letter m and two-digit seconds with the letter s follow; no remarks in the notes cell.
11h26
